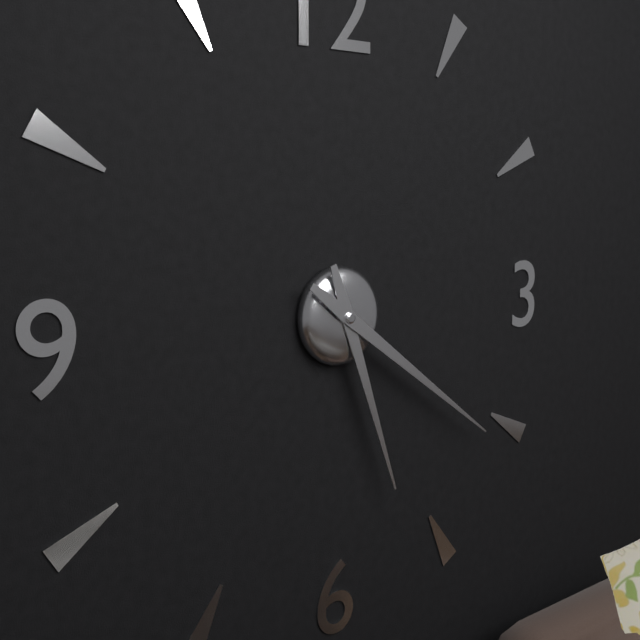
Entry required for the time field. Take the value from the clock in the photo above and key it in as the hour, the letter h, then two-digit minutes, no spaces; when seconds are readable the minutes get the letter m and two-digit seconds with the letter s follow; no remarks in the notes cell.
5h21
